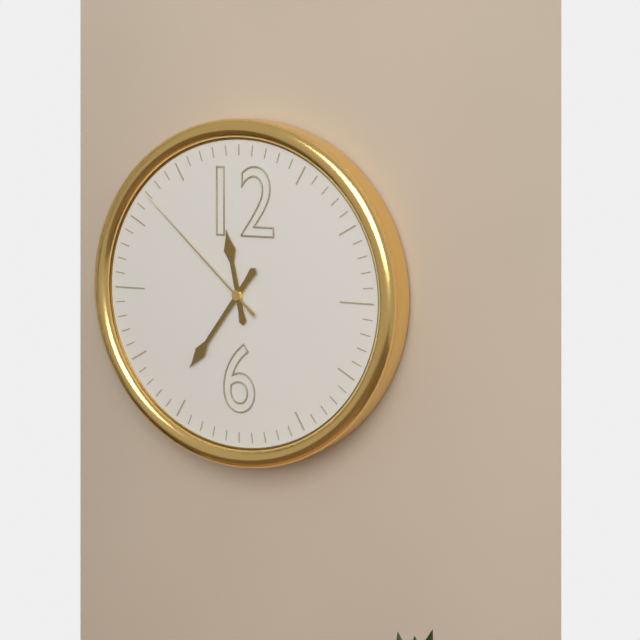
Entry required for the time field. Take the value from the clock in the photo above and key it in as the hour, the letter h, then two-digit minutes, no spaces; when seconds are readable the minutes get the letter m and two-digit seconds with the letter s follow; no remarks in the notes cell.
11h36m52s
